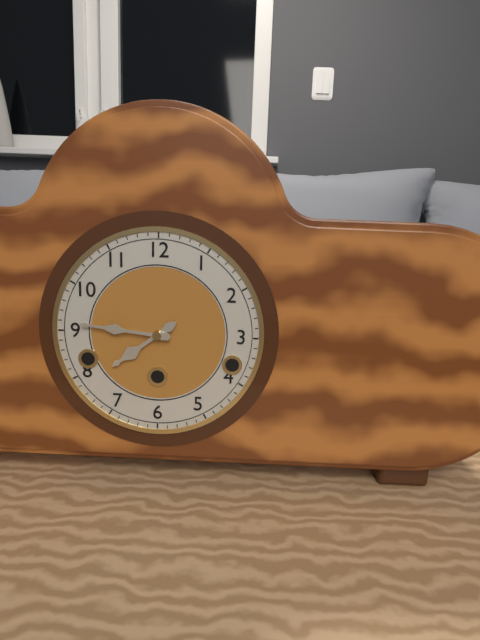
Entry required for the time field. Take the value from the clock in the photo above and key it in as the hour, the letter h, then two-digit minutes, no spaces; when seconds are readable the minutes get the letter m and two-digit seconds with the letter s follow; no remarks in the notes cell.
7h46
